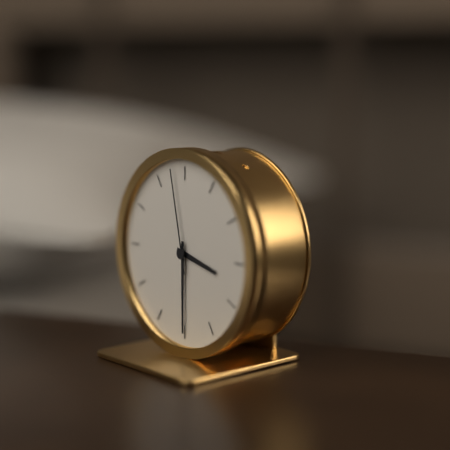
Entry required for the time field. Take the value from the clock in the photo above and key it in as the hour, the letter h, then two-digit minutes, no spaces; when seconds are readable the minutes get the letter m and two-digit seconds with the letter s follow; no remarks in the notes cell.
3h30m58s
